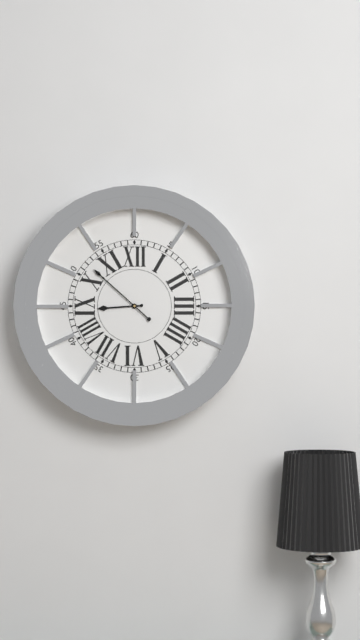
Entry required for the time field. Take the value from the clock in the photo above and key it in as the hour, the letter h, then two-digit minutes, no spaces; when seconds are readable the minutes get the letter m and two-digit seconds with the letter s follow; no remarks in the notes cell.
8h52
